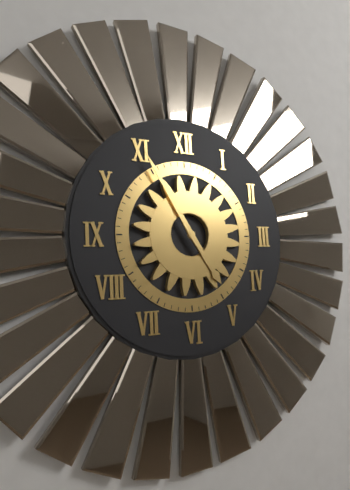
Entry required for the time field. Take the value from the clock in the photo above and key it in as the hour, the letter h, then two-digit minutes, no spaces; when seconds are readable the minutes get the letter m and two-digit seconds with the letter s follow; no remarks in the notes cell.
4h55
